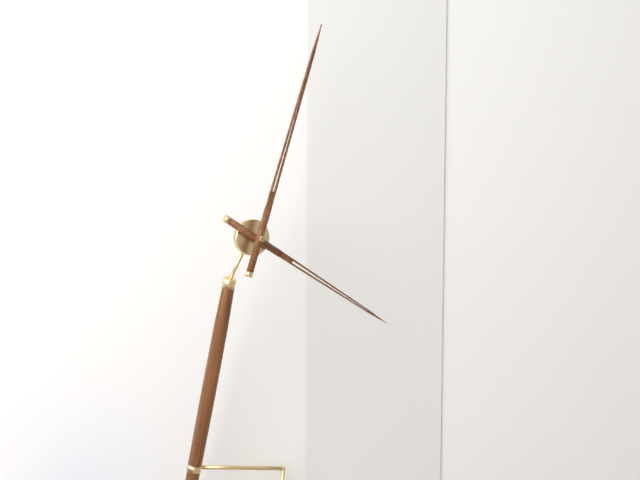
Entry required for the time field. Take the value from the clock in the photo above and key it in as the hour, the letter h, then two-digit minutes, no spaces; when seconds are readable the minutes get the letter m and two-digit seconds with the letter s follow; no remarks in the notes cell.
4h03
